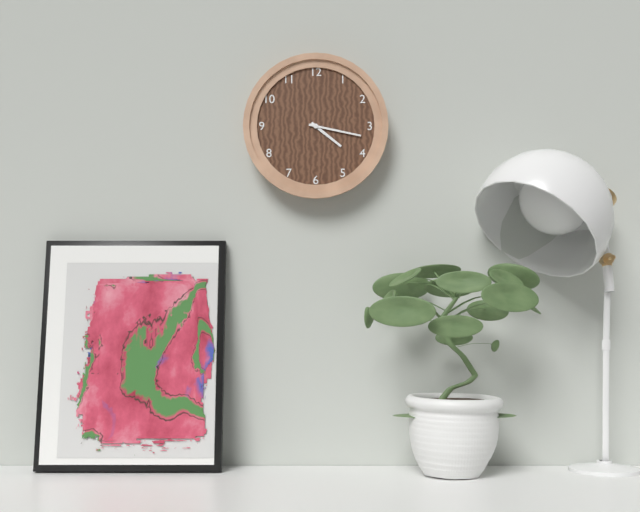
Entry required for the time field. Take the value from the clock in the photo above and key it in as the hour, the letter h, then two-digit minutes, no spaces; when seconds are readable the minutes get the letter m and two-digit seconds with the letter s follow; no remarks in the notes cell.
4h17
